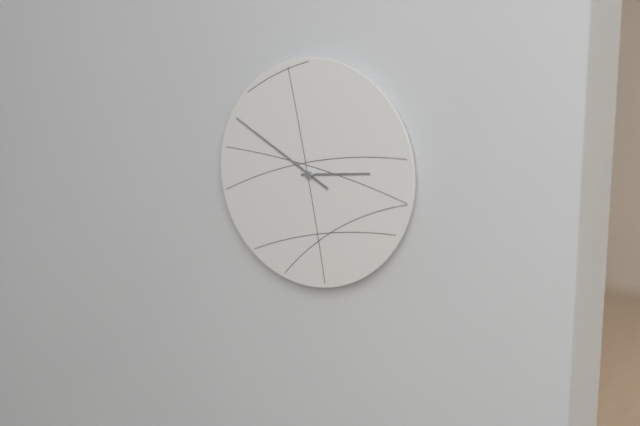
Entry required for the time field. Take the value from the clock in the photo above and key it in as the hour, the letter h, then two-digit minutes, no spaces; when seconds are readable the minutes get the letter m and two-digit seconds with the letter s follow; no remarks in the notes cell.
2h50
